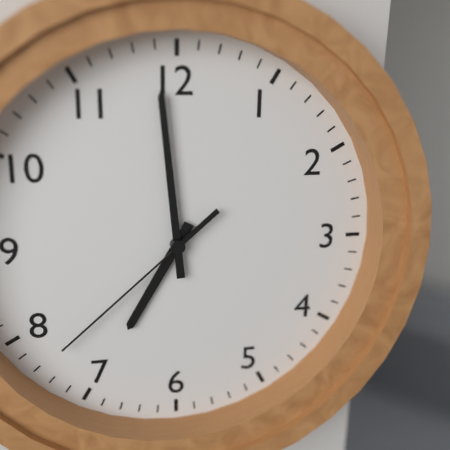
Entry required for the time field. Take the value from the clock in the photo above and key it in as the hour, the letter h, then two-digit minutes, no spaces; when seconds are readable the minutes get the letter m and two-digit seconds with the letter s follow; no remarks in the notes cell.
6h59m38s
